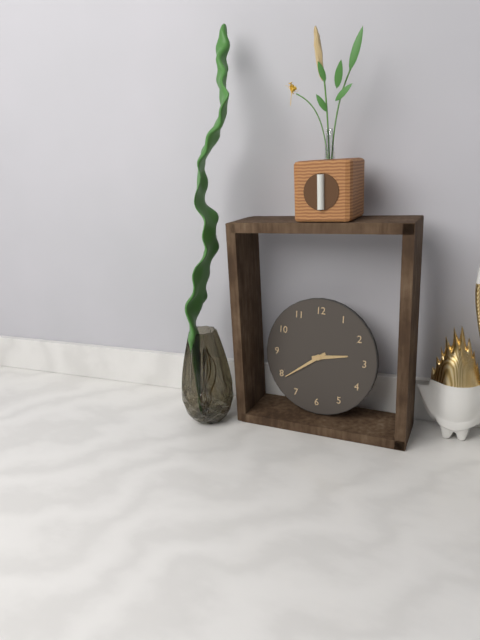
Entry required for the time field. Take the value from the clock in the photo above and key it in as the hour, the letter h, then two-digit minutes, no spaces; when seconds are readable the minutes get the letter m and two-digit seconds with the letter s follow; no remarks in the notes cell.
2h39
